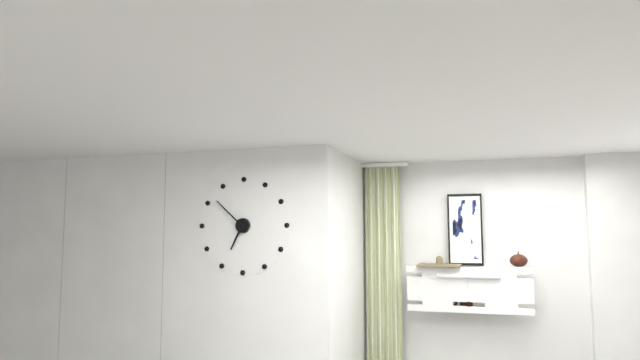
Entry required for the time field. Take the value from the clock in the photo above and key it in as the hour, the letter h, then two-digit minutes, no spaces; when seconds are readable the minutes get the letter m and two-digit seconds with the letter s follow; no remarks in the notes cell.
6h52
